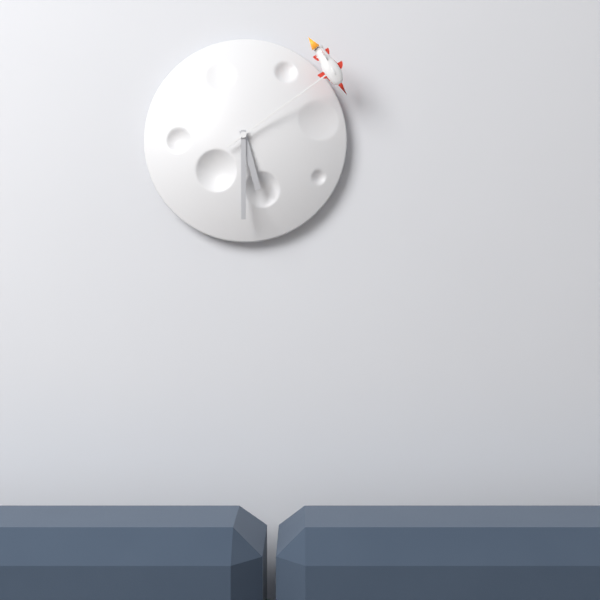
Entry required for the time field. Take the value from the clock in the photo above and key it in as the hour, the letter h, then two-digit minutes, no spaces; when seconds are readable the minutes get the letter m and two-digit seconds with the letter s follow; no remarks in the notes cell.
5h30m09s
